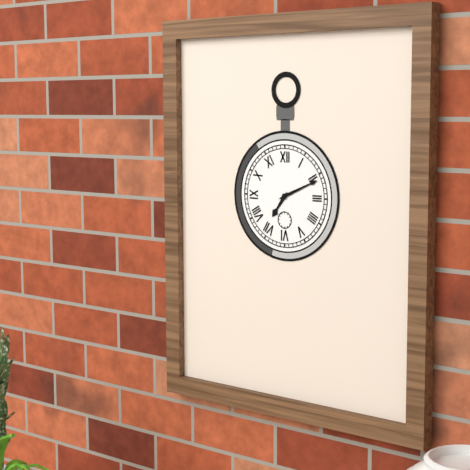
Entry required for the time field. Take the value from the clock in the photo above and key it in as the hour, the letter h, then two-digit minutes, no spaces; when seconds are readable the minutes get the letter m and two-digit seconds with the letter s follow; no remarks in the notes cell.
7h11
